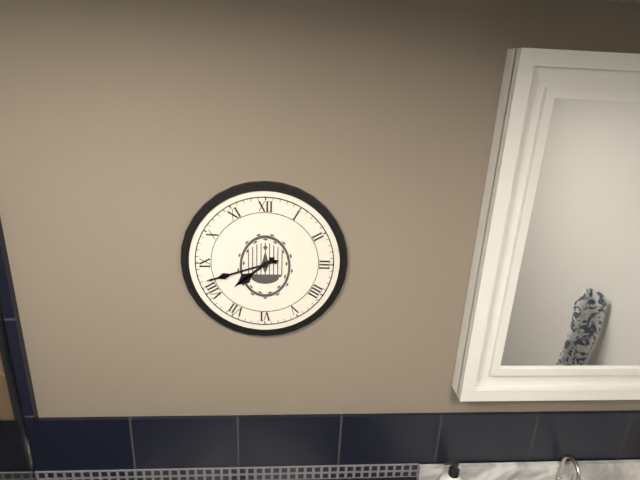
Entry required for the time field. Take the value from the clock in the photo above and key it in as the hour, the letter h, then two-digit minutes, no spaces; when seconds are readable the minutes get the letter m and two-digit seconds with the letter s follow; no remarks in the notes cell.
7h42
